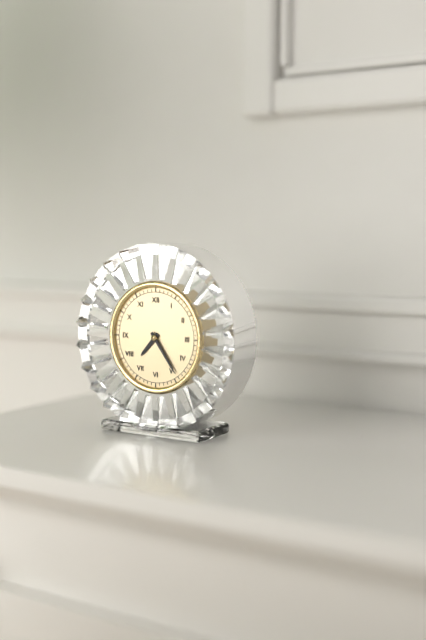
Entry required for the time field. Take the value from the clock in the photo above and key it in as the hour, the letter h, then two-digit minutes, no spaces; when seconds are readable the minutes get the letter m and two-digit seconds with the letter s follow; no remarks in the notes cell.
7h24
